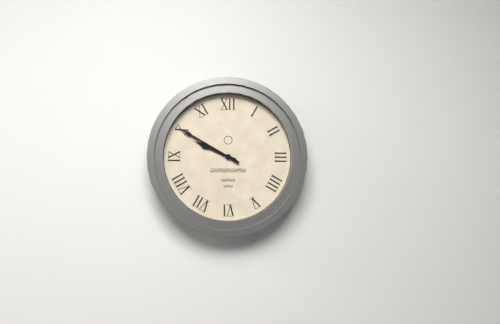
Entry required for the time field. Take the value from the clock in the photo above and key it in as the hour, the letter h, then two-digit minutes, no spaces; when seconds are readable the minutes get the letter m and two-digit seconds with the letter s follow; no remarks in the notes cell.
9h50
